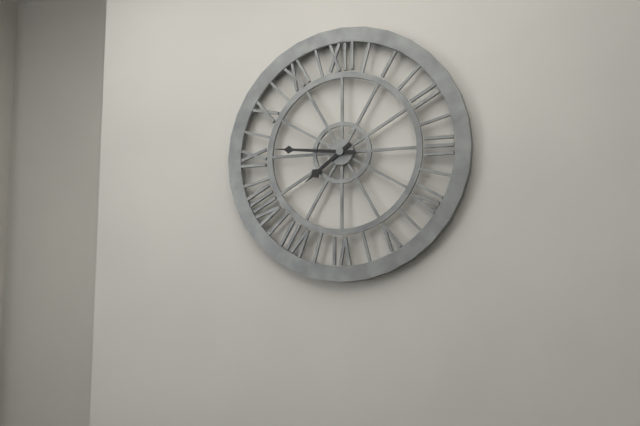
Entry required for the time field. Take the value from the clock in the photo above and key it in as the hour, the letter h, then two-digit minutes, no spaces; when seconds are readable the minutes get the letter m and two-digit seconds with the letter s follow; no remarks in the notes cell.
7h46
